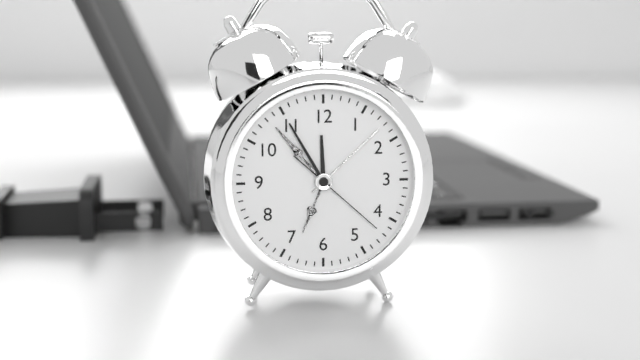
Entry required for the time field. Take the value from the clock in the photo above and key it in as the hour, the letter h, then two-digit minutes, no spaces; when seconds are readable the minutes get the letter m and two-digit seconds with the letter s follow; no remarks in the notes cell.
11h55m22s
